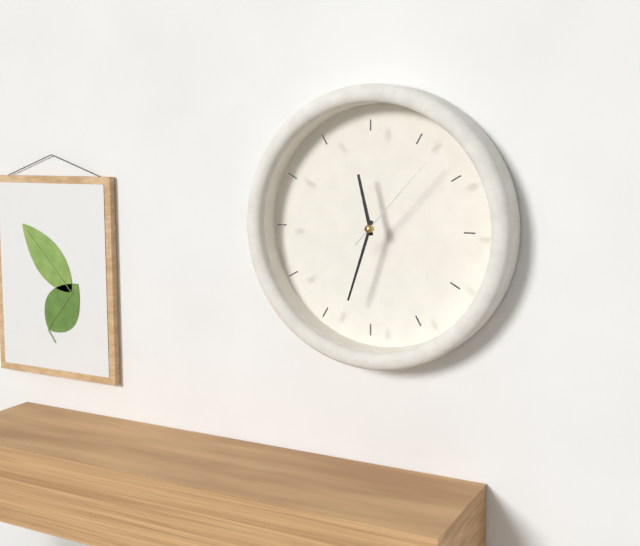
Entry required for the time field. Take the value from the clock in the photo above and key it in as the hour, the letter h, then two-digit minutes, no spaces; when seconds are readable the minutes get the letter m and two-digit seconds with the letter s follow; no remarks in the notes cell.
11h33m07s
